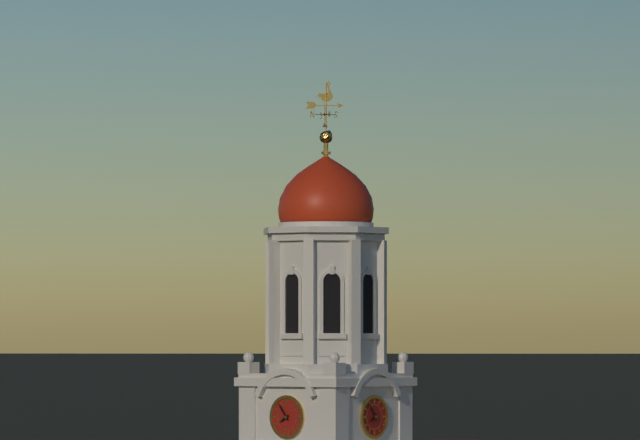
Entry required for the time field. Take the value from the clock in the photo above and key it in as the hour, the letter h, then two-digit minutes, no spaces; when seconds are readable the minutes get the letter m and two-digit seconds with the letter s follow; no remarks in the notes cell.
7h54
